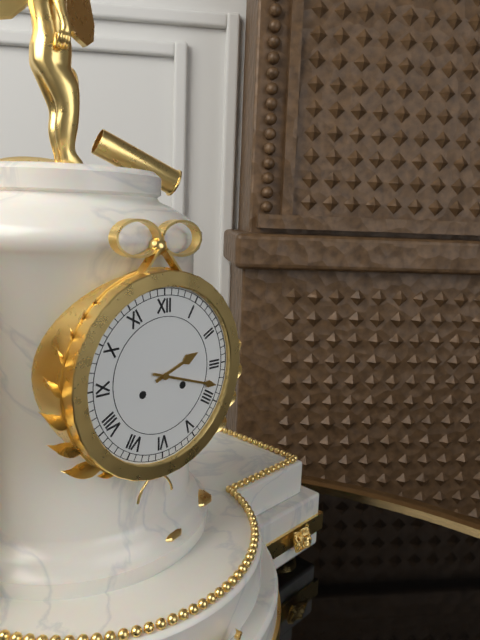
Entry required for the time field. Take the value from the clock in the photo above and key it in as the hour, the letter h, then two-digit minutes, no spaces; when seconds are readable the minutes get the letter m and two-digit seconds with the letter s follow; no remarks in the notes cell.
2h18
